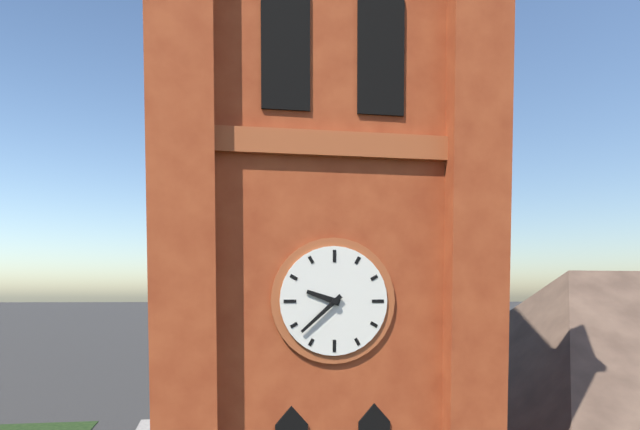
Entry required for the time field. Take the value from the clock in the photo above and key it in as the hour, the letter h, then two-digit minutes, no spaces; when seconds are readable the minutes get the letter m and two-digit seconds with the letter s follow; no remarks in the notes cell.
9h38
